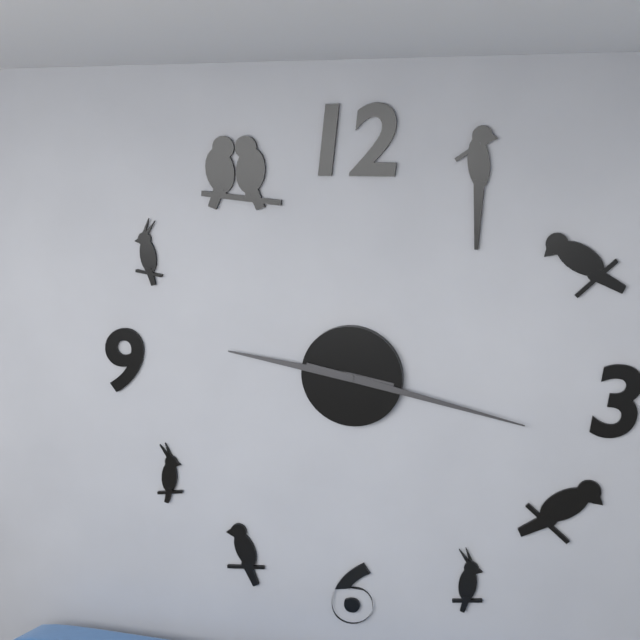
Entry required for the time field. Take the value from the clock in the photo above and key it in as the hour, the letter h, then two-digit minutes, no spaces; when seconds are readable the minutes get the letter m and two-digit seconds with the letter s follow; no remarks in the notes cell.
9h17
